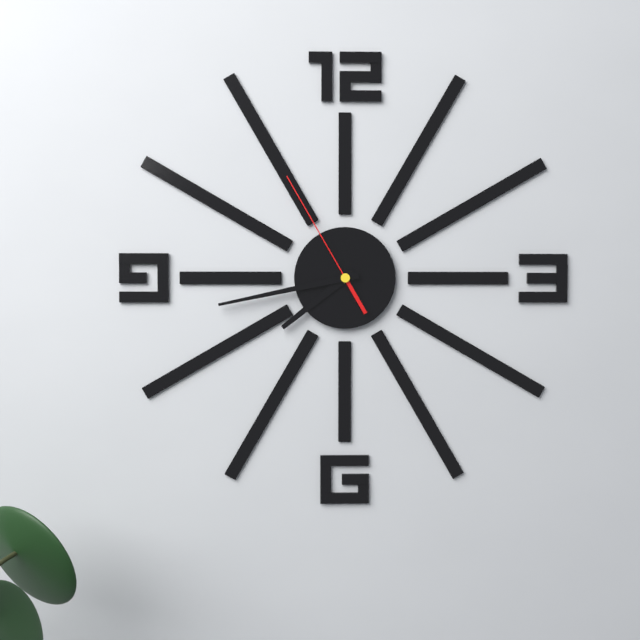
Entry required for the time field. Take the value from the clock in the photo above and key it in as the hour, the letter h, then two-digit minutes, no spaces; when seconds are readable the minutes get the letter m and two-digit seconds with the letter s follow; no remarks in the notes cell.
7h43m55s
